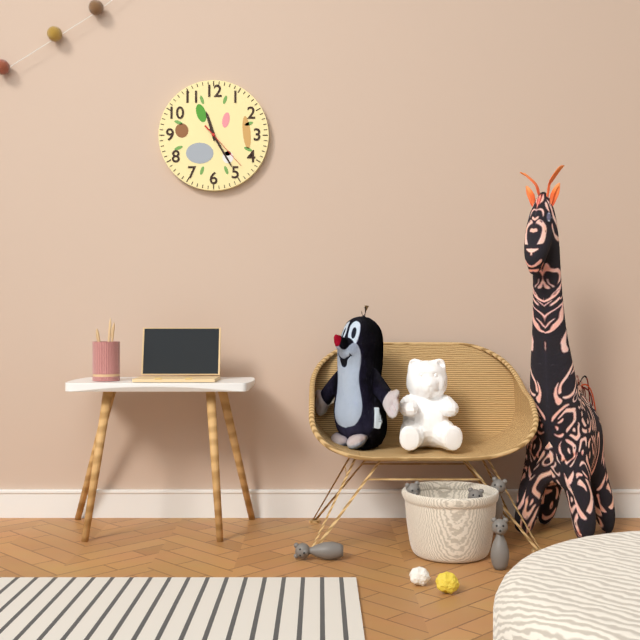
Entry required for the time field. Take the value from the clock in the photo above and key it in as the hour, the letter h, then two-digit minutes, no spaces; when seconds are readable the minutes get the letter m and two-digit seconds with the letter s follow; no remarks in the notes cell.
11h25m23s
